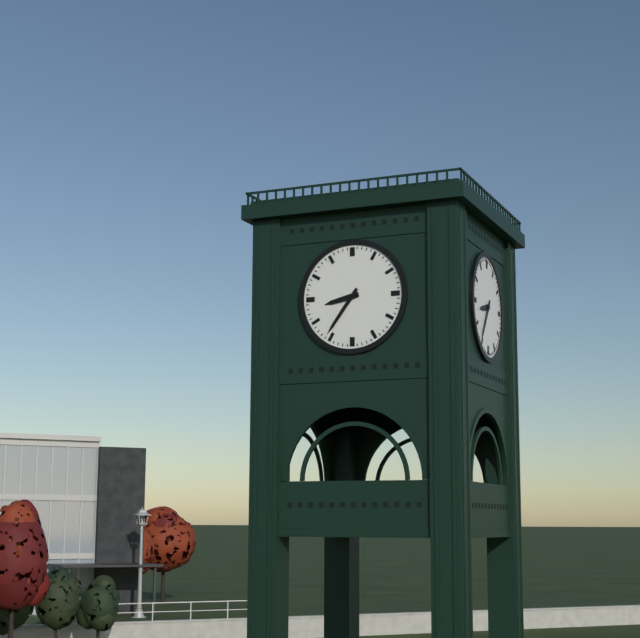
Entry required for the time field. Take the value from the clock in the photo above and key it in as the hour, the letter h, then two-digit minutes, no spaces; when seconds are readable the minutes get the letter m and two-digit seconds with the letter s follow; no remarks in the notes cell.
8h36
